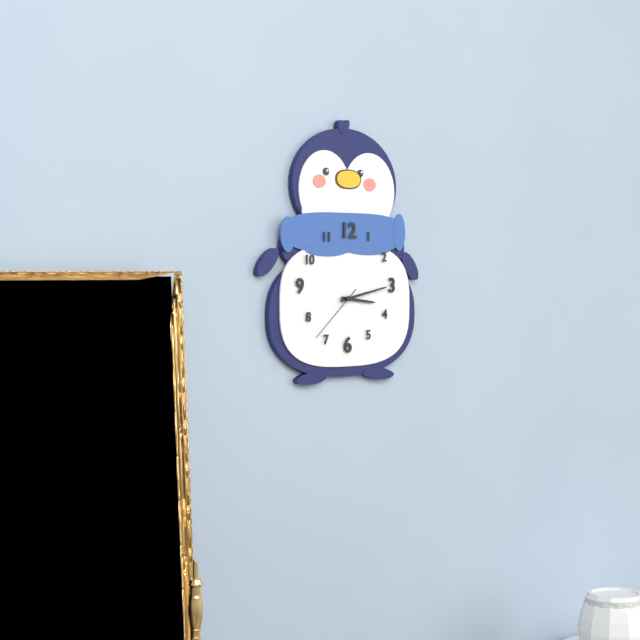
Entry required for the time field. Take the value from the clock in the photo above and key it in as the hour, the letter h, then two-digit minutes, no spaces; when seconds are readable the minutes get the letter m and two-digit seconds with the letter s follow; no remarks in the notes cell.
3h13m38s
